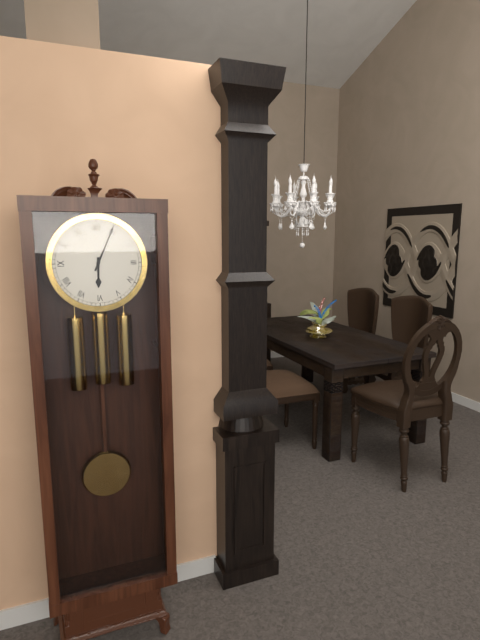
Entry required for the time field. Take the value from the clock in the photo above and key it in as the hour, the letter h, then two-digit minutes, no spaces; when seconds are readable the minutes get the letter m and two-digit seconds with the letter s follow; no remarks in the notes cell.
6h04
